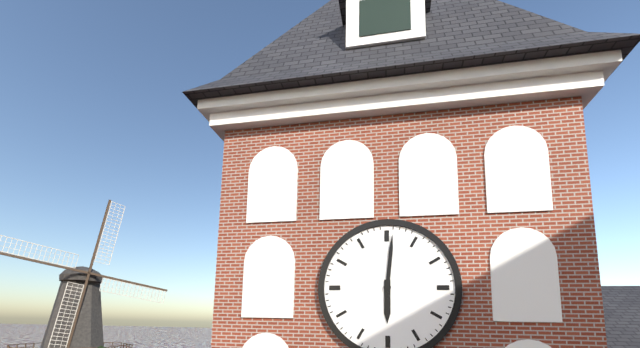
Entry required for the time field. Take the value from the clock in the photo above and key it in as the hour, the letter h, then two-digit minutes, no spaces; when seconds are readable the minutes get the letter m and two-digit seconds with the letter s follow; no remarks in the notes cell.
6h01
